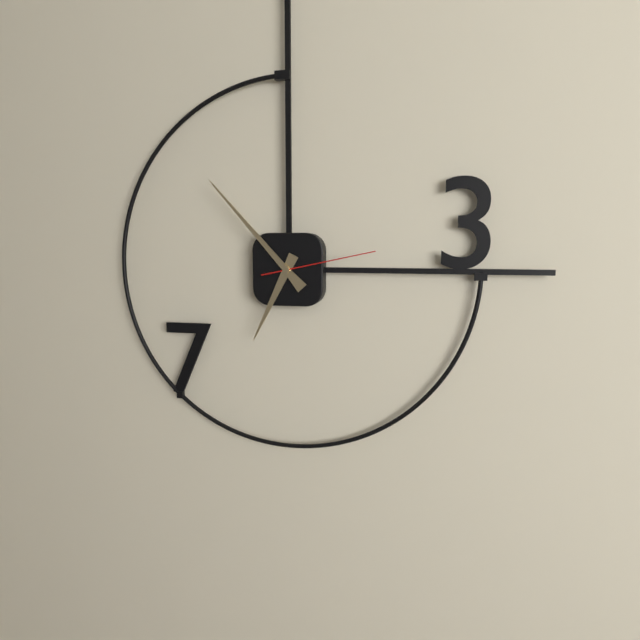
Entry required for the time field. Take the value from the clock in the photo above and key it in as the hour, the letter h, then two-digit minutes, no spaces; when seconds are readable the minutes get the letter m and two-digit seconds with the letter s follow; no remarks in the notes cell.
6h53m13s
